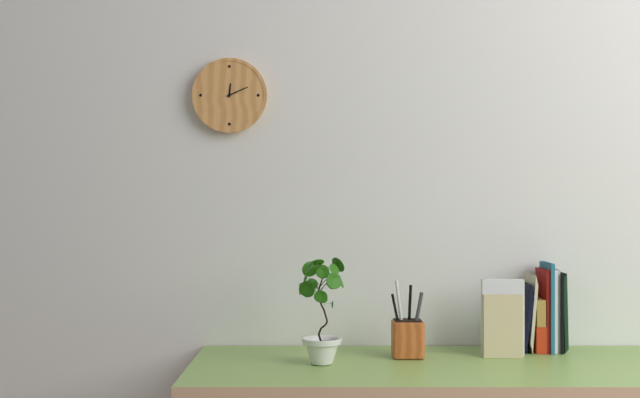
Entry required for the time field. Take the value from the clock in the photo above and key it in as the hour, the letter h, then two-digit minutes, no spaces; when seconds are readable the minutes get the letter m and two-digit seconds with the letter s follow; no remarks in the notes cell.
12h11
